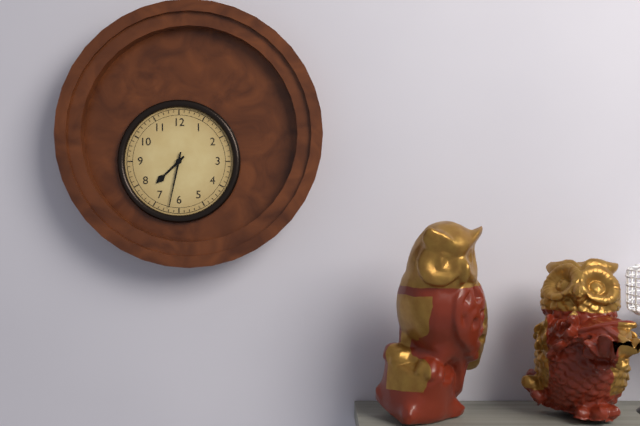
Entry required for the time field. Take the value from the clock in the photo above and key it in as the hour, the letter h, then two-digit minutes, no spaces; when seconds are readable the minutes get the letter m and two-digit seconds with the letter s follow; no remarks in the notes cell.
7h32
